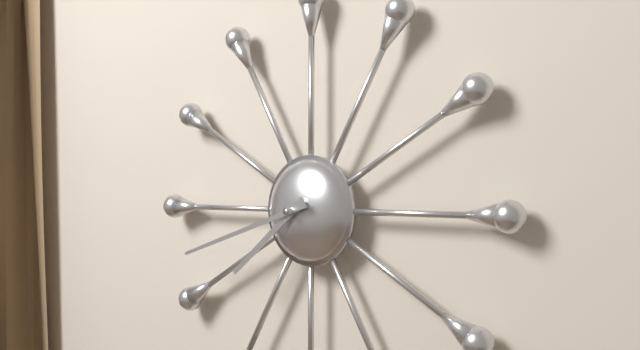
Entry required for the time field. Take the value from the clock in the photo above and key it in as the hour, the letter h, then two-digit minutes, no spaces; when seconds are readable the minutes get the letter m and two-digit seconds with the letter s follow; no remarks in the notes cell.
7h42
